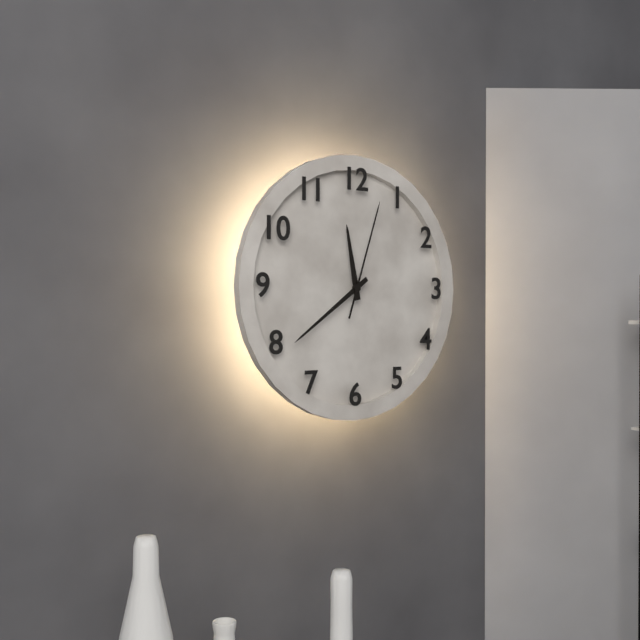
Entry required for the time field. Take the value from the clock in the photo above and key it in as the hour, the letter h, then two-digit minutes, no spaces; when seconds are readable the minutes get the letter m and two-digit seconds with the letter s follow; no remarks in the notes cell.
11h39m03s
